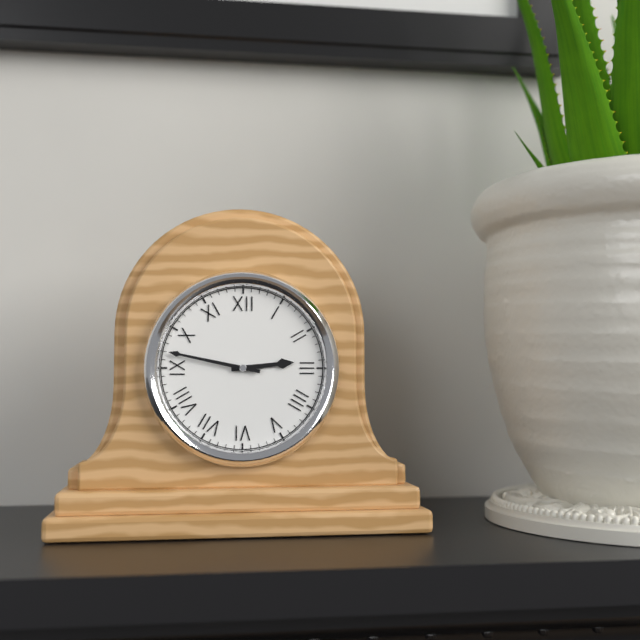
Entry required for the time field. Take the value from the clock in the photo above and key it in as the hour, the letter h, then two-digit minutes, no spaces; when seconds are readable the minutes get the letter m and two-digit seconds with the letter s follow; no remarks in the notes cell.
2h47
